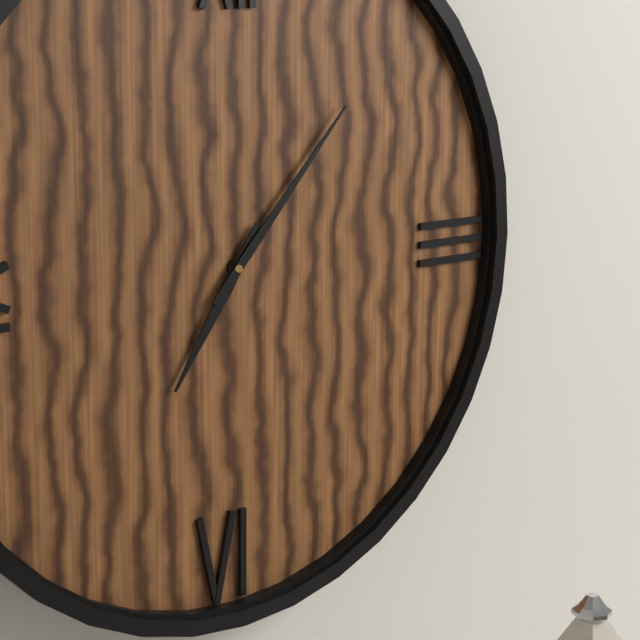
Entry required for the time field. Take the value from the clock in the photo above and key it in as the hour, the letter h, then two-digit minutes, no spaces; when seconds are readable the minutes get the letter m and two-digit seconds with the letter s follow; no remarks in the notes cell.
7h07
